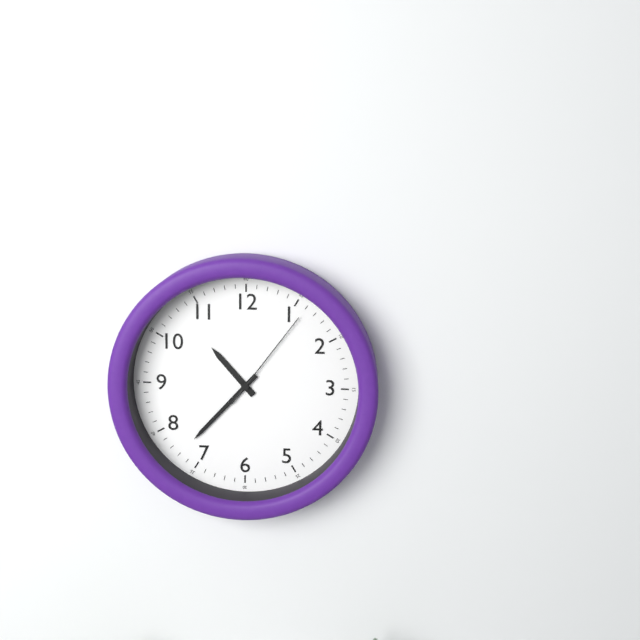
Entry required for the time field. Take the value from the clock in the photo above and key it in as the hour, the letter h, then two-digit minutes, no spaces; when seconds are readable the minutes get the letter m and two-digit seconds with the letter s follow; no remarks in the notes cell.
10h37m06s
